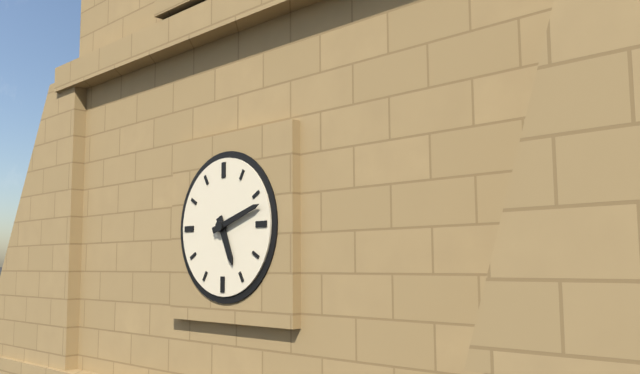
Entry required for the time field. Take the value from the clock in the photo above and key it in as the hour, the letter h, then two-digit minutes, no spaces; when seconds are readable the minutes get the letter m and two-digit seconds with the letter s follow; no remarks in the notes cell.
5h12
